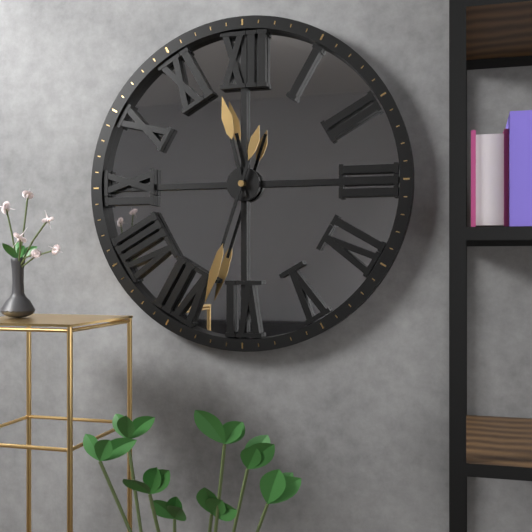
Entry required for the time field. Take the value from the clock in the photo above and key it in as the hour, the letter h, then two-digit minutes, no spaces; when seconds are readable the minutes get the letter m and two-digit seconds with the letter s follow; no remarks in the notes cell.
11h33
